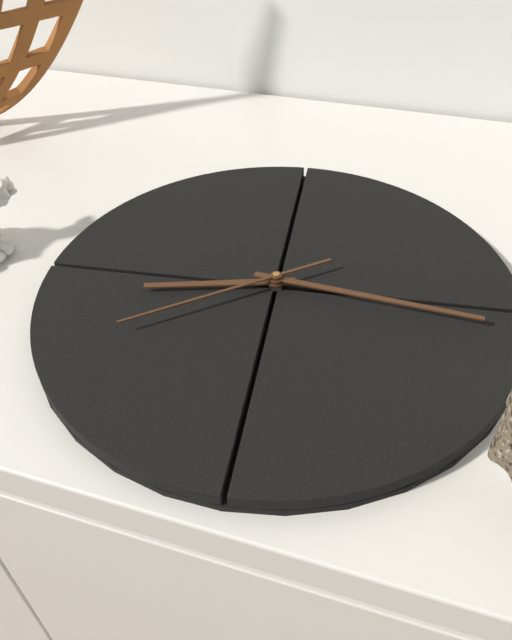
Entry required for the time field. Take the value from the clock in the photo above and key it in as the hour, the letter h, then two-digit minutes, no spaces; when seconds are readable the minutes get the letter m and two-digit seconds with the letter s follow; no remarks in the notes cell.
9h20m43s
